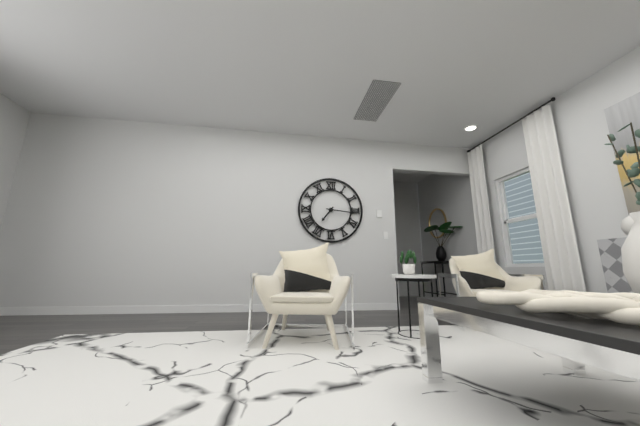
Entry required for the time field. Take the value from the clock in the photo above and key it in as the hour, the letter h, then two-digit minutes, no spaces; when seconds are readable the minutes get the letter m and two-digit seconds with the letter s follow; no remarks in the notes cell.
7h16
